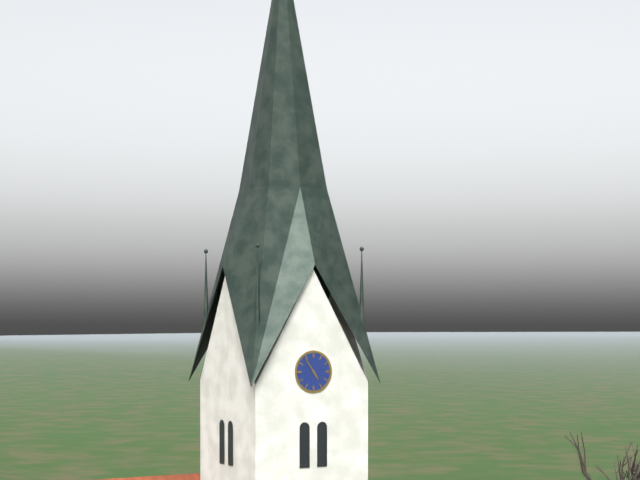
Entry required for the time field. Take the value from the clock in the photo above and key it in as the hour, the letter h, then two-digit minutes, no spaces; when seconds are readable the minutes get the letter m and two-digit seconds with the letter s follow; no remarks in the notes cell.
4h54
